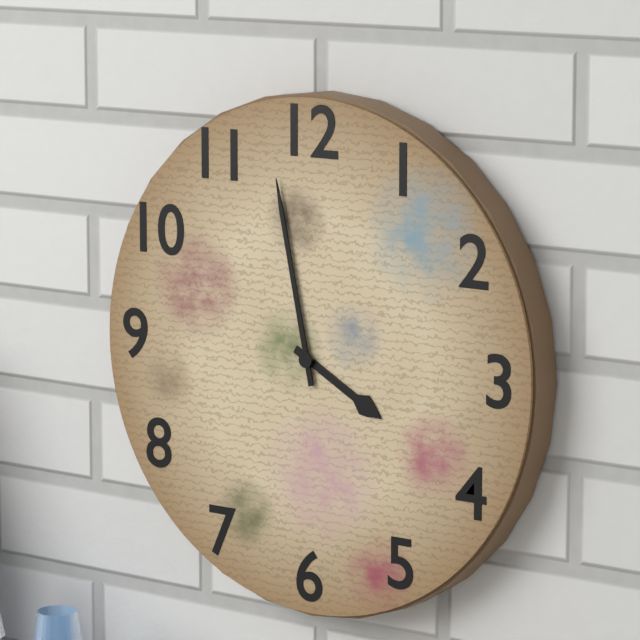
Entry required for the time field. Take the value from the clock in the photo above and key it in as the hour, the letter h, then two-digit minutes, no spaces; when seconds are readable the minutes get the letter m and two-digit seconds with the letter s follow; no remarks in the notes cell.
3h58
